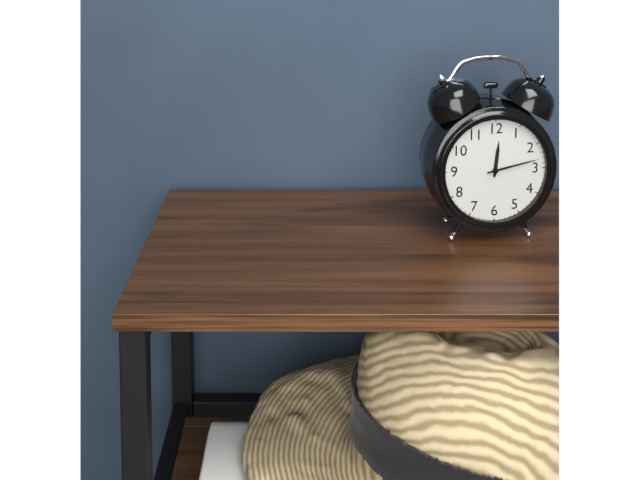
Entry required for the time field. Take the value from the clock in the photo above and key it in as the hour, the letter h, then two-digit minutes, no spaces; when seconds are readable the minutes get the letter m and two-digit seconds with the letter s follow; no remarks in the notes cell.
12h13
